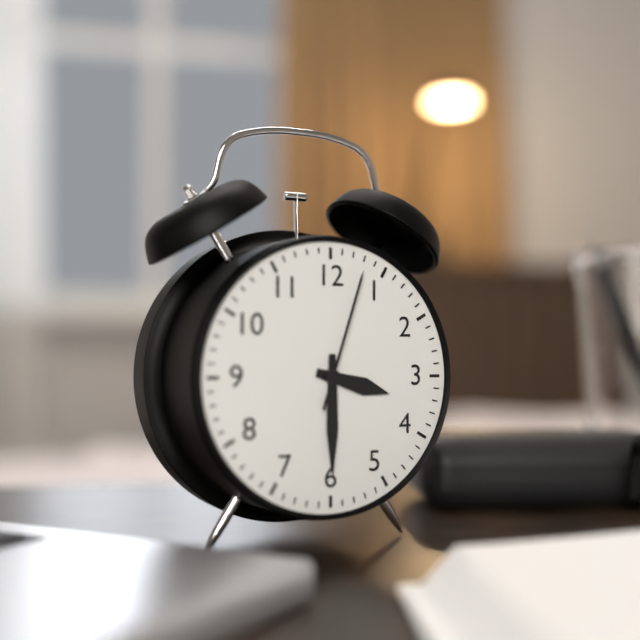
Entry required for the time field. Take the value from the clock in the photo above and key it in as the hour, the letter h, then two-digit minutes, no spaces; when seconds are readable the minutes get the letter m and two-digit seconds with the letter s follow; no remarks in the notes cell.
3h30m03s
